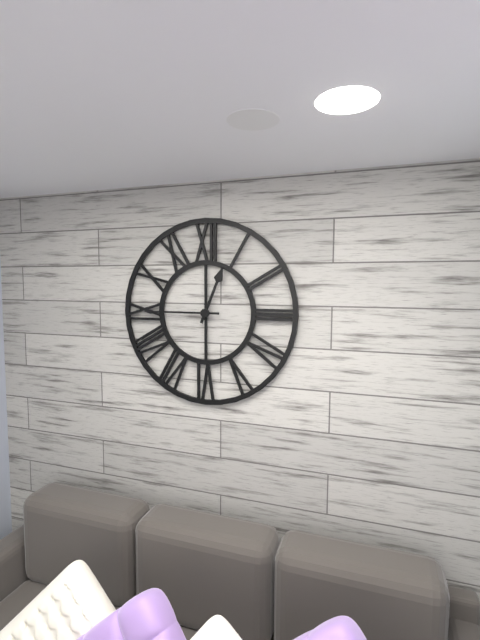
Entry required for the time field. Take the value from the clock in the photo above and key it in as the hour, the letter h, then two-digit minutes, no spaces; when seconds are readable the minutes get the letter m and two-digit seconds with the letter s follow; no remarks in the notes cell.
12h45
